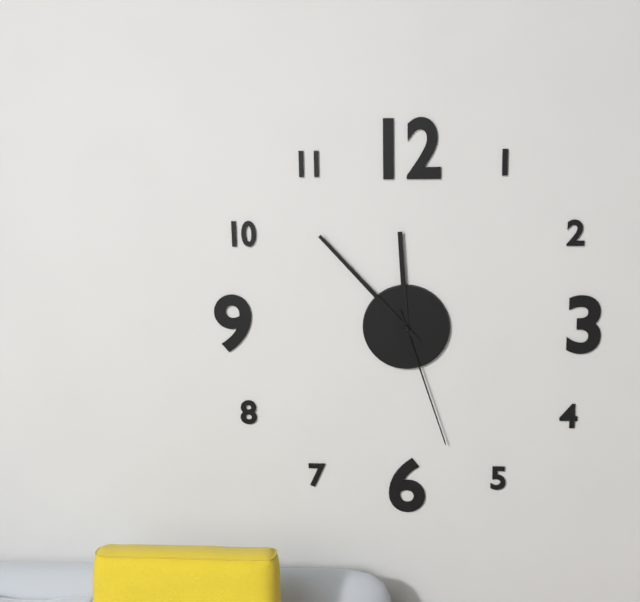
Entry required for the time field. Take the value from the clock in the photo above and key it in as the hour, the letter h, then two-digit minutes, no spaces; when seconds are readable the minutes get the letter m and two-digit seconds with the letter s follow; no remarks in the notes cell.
11h53m27s
